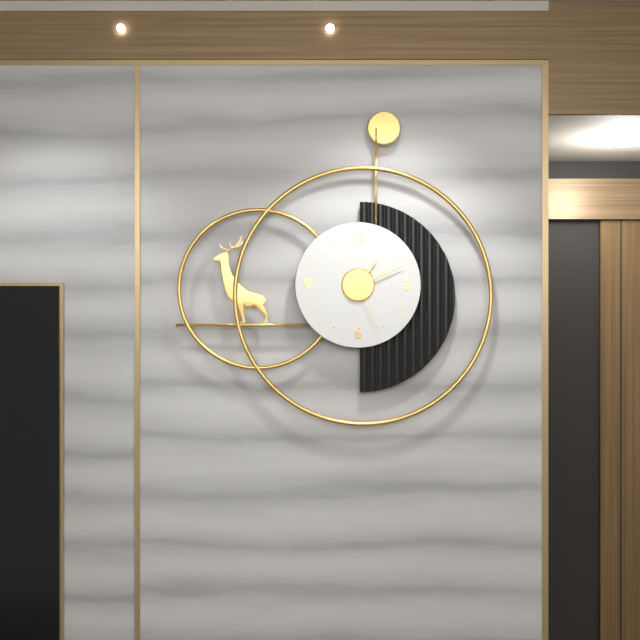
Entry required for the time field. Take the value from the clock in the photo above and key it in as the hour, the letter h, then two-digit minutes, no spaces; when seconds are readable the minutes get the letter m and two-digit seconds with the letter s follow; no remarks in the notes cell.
1h11m26s
